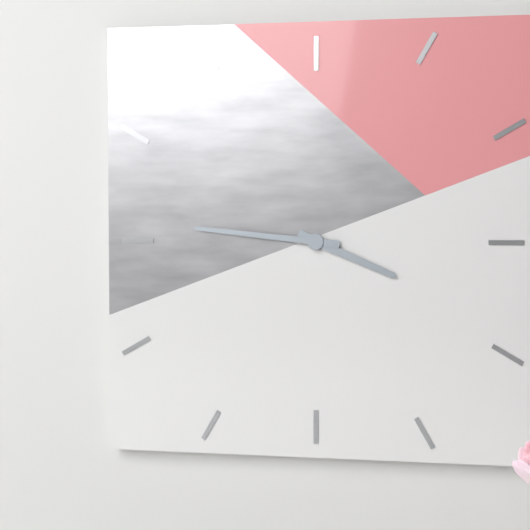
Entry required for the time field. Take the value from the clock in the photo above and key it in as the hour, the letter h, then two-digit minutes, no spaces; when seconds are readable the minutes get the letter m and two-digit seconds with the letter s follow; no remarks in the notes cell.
3h46
